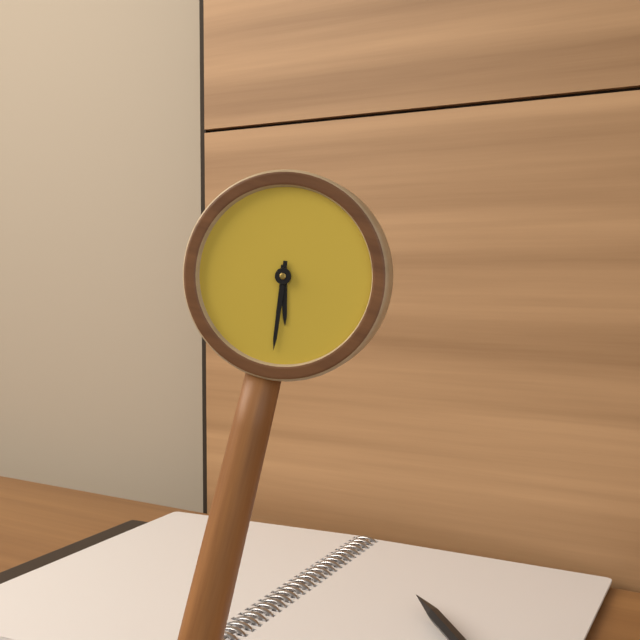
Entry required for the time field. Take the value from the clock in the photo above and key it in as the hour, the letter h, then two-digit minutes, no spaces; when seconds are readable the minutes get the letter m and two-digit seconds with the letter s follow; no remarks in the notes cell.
5h29
